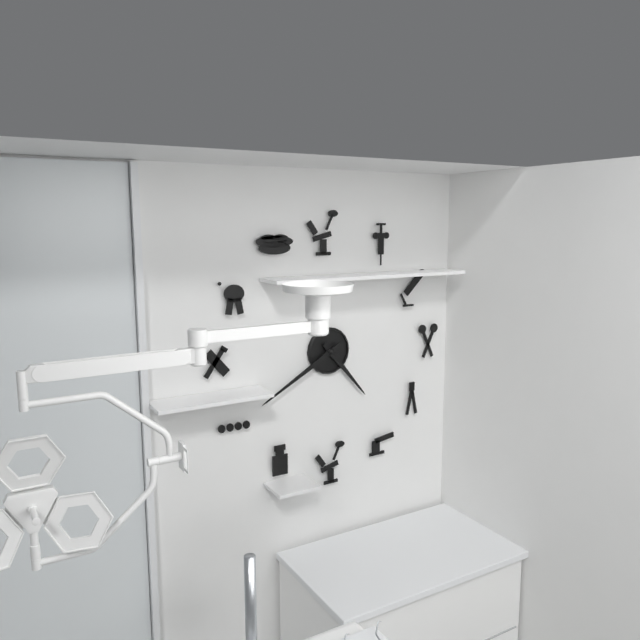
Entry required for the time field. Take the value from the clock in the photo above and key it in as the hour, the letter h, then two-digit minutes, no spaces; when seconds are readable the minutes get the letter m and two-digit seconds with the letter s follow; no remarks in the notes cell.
4h40
